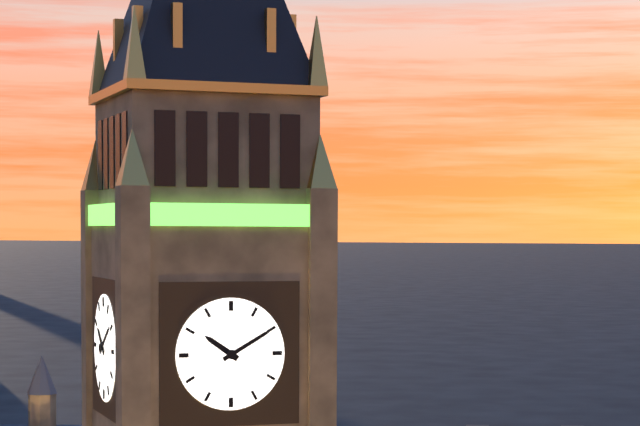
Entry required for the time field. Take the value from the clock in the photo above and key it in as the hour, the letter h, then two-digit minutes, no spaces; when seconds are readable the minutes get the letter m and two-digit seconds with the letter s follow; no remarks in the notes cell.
10h10
